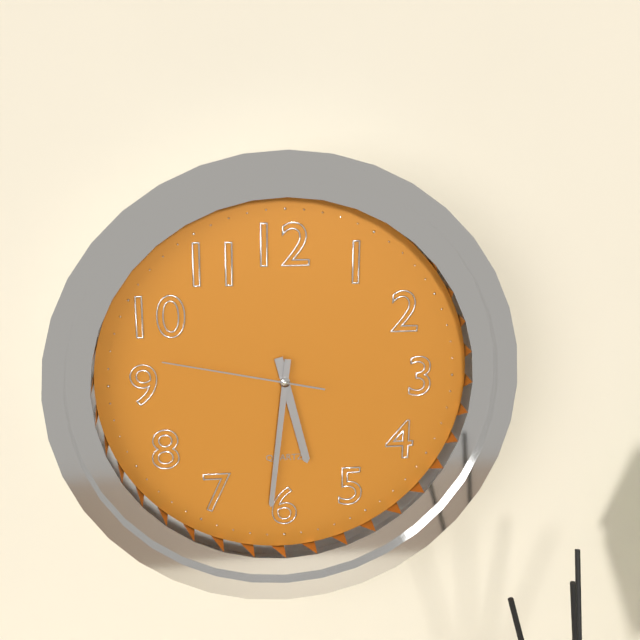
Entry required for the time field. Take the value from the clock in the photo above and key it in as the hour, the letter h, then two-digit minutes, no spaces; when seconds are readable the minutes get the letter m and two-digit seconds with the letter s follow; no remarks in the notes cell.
5h31m47s
